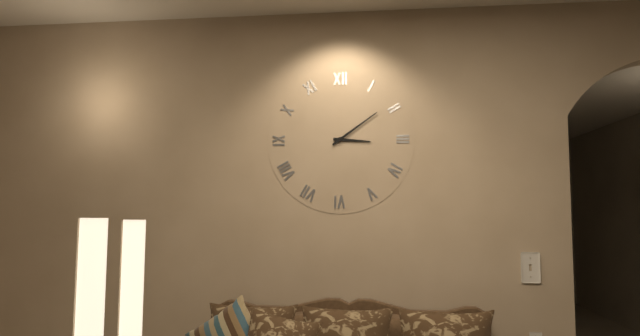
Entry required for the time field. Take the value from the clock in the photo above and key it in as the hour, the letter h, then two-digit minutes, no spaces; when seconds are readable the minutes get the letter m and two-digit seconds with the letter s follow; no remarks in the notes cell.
3h09
